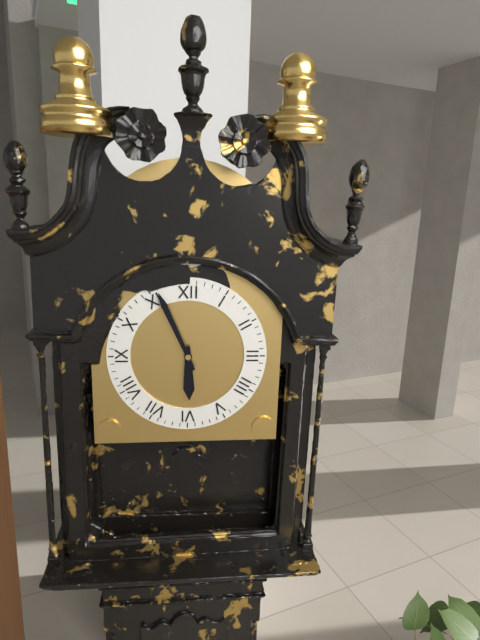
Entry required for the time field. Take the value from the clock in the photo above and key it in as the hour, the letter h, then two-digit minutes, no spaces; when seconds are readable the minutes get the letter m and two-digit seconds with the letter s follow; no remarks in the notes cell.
5h56
